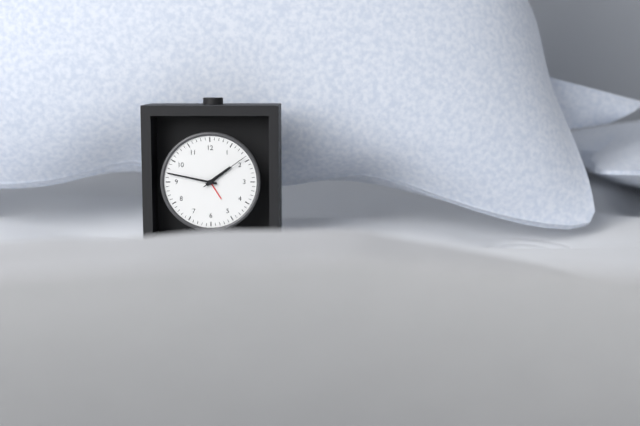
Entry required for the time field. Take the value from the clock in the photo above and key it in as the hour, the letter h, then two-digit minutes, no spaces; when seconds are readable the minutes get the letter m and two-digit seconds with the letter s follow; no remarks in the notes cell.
1h47m09s
